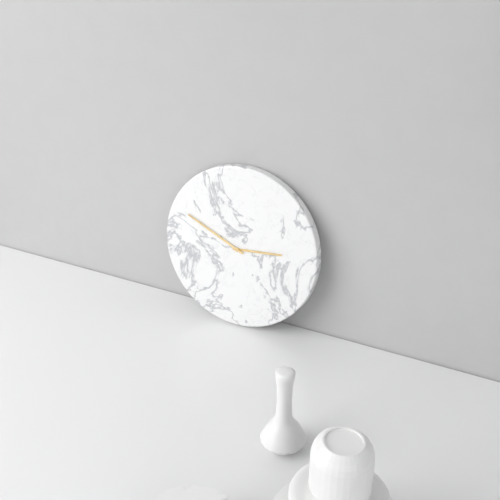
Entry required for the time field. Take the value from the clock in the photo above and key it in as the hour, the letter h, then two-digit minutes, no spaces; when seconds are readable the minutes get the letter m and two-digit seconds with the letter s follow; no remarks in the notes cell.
2h49
